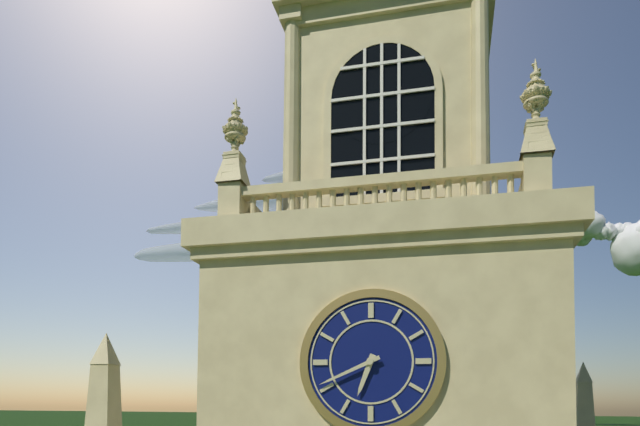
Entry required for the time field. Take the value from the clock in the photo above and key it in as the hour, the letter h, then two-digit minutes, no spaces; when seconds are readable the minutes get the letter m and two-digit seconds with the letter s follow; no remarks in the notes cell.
6h41
